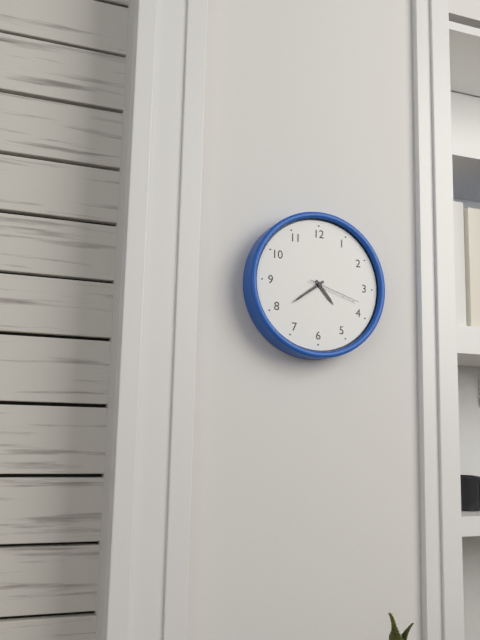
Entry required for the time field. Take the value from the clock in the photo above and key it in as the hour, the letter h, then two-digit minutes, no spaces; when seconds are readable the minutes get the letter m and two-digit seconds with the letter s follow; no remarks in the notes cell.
4h39m18s
